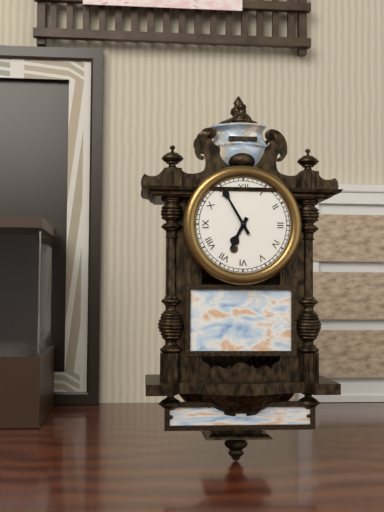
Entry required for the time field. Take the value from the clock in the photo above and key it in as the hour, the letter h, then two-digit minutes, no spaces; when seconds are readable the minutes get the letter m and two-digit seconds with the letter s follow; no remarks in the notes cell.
6h55
